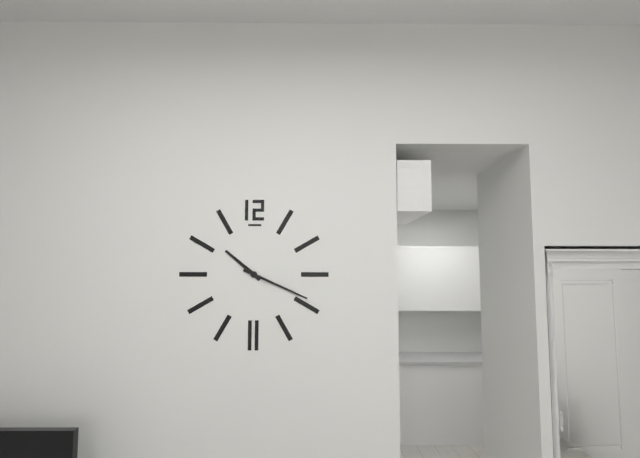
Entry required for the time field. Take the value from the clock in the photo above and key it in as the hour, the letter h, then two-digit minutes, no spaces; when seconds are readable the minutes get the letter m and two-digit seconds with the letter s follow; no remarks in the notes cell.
10h19
